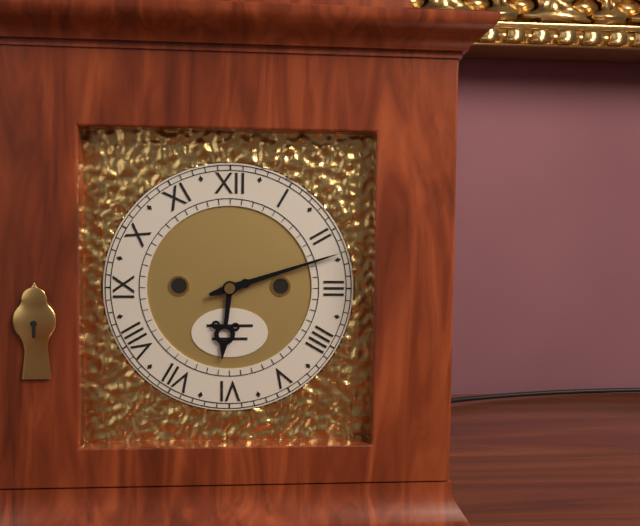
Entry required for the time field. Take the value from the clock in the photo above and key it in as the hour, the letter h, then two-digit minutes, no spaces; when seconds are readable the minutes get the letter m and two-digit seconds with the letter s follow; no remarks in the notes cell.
6h12
